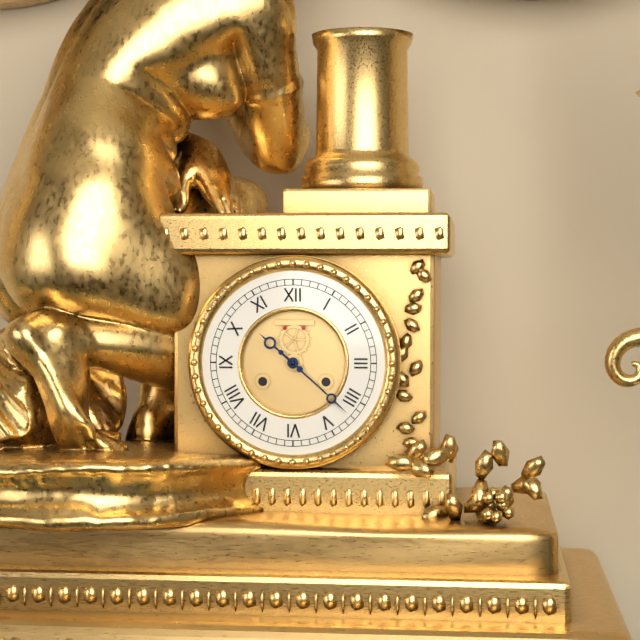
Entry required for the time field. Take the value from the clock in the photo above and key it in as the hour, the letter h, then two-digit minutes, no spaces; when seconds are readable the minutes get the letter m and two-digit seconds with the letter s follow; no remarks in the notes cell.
10h22
